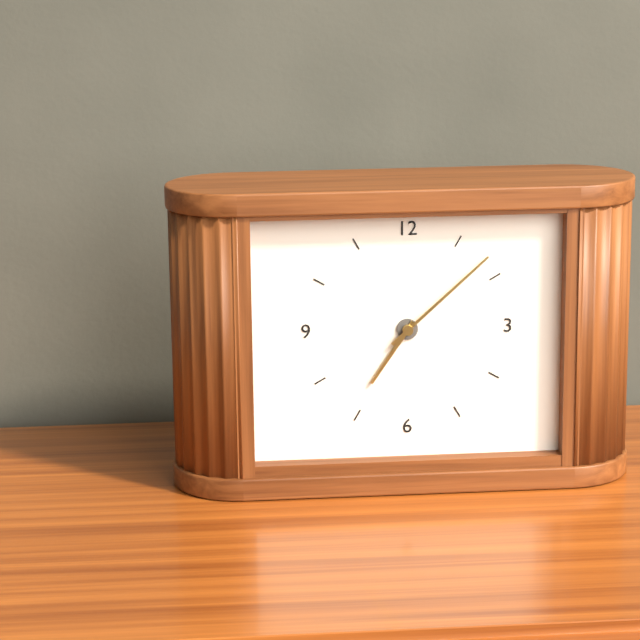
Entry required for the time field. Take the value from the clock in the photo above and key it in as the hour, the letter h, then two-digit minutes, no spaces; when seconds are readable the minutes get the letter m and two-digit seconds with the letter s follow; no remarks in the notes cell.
7h08
